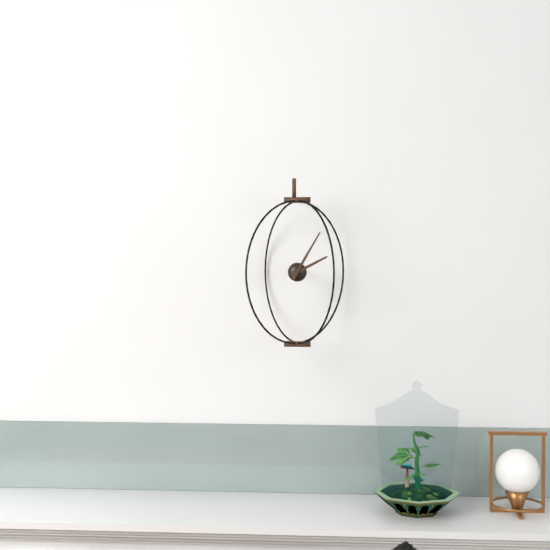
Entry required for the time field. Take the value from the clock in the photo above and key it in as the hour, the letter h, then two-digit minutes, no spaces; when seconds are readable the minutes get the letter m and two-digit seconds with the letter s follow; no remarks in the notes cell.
2h05
